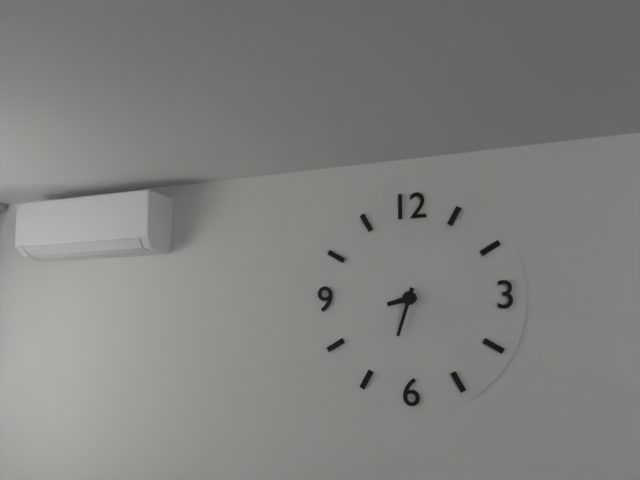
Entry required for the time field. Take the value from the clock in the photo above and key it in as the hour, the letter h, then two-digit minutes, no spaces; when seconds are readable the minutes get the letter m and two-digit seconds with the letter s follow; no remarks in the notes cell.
8h33
